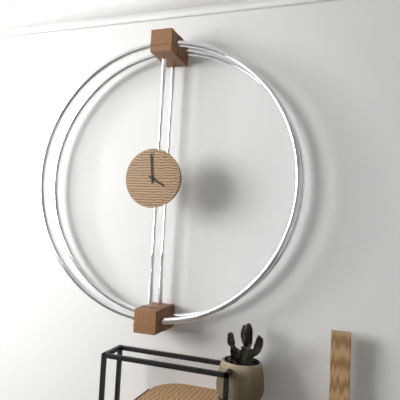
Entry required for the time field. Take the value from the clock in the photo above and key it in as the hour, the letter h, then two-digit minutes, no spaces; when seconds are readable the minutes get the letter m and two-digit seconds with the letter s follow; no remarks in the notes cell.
3h59
